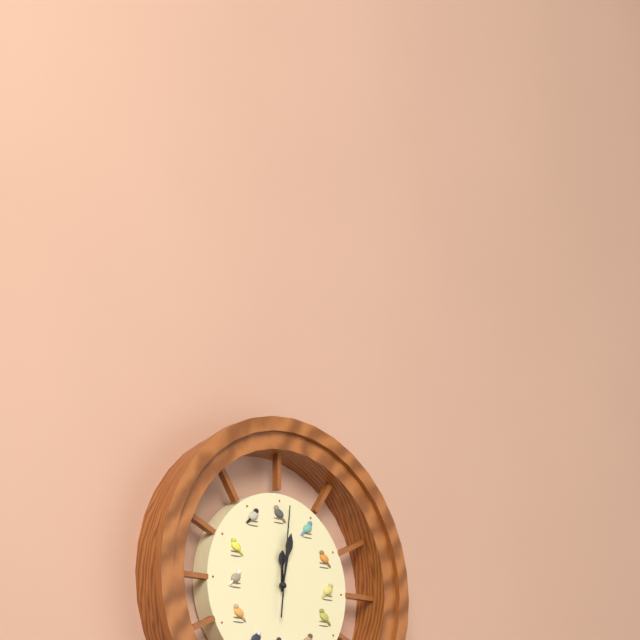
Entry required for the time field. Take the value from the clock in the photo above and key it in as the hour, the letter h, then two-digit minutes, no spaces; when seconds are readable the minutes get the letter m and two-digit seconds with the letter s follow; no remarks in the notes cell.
12h02m01s
